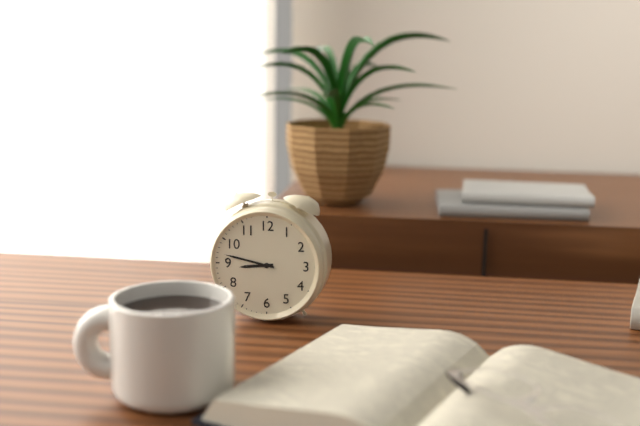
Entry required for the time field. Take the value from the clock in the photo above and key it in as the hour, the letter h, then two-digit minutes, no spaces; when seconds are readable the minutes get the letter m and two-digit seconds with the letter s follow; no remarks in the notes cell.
8h47
